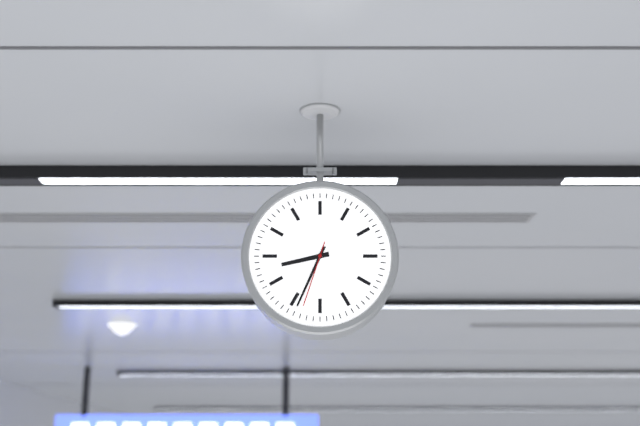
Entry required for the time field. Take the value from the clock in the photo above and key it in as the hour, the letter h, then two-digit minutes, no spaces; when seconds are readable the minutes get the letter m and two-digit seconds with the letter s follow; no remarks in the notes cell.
8h34m33s
